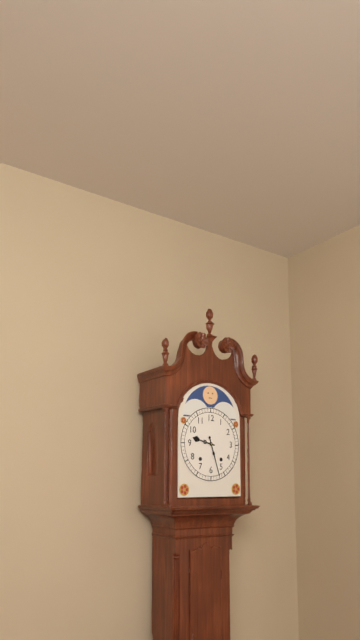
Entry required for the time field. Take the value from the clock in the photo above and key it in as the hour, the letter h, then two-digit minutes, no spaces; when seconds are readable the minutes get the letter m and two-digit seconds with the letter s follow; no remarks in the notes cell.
9h27
